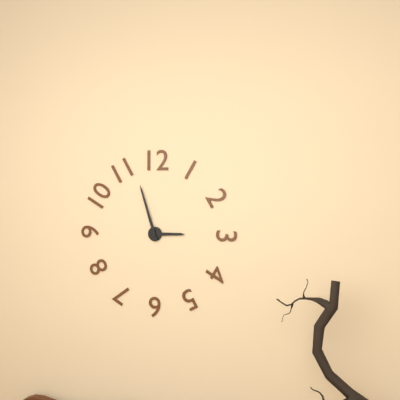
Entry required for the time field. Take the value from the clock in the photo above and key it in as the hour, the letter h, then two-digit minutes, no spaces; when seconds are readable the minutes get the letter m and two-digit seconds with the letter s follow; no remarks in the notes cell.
2h57
